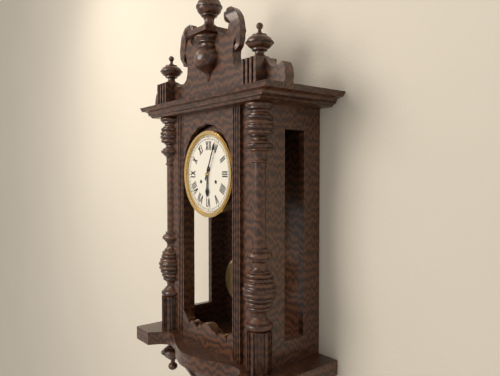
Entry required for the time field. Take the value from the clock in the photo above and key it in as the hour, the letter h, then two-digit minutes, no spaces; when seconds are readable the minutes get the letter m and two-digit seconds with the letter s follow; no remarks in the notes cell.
6h04
